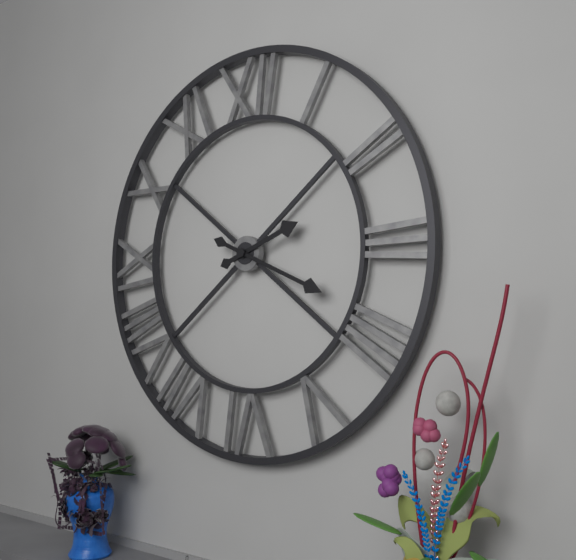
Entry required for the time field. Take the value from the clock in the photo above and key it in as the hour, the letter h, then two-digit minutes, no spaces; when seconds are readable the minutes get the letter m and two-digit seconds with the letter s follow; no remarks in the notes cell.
2h19
